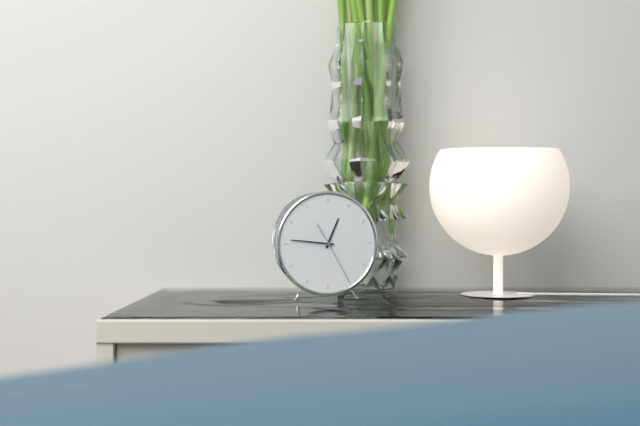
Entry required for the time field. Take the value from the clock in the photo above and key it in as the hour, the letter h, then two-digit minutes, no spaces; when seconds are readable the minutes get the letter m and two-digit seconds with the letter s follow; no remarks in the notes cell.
12h46m25s
